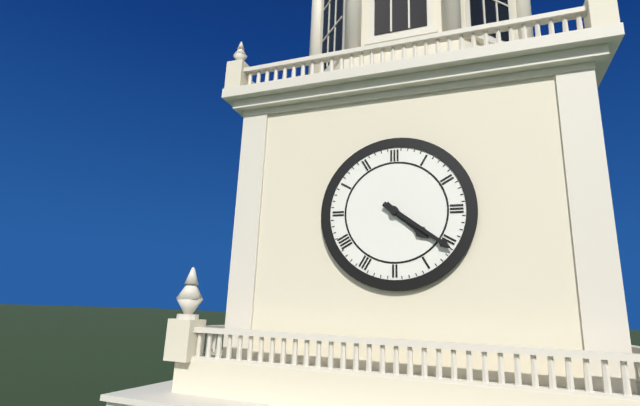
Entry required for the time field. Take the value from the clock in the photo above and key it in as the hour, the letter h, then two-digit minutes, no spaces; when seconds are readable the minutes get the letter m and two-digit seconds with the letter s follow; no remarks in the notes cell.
4h21
